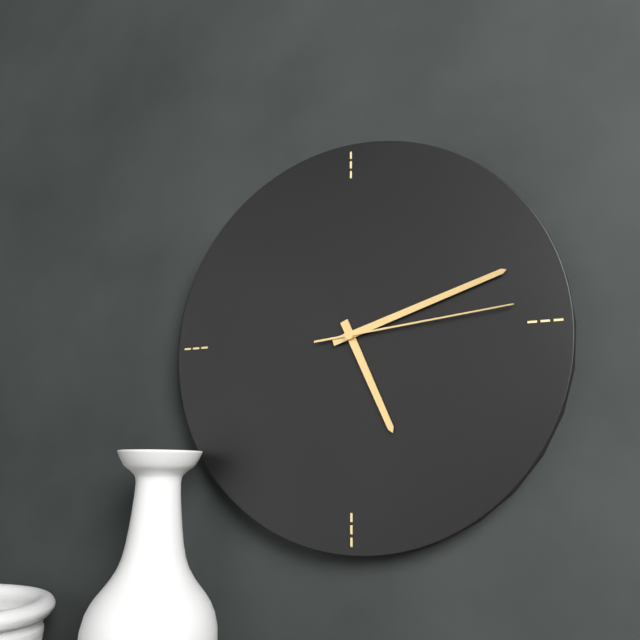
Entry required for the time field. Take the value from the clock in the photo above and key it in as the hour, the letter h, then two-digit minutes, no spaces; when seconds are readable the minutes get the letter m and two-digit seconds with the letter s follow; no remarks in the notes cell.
5h12m14s
